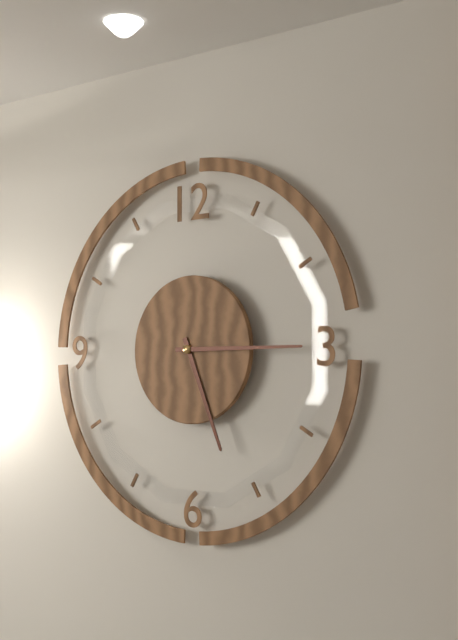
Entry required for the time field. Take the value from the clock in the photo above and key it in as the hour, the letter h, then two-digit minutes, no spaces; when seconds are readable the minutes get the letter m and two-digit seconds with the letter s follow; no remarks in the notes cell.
5h15
